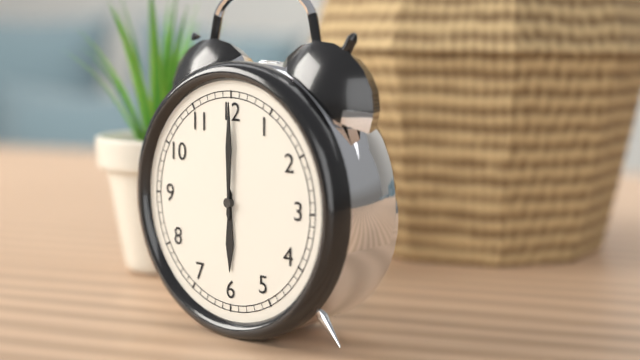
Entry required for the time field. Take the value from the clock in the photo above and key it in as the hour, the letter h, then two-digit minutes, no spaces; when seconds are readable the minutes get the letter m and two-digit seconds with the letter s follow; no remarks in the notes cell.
6h00
